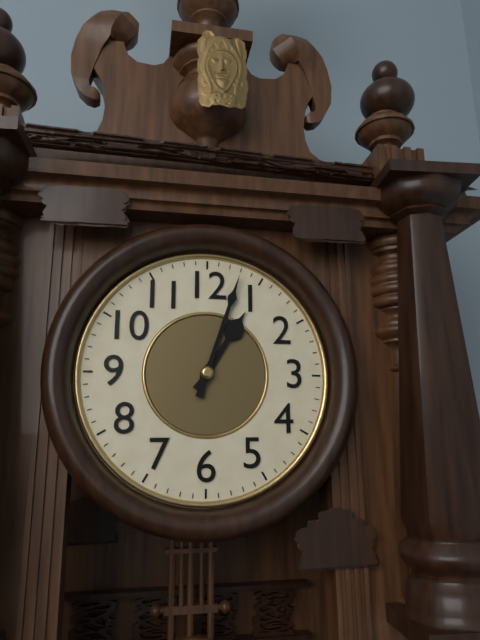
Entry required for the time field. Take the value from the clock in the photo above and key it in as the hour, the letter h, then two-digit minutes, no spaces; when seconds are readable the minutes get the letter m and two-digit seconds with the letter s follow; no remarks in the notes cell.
1h03
